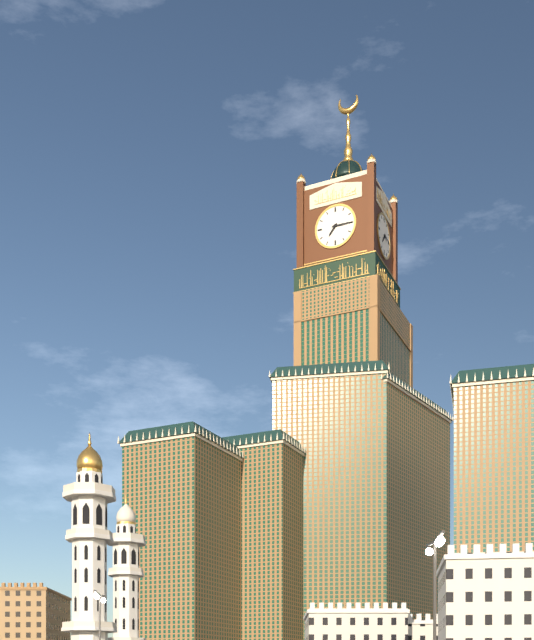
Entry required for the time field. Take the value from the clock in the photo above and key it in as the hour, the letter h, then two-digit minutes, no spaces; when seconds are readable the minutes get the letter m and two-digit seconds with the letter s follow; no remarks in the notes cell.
7h15
